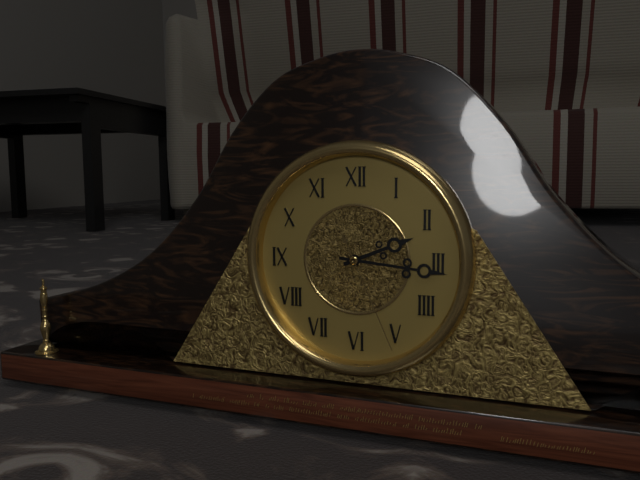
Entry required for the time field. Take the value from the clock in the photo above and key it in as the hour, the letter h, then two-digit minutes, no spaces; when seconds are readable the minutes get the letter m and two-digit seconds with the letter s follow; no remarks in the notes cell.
2h16m26s
